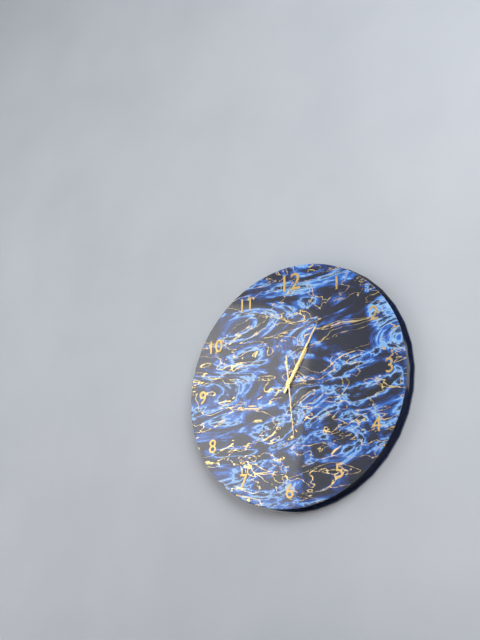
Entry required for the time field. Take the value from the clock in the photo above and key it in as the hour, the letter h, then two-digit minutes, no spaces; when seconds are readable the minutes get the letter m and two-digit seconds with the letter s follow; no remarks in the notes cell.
1h05m29s
